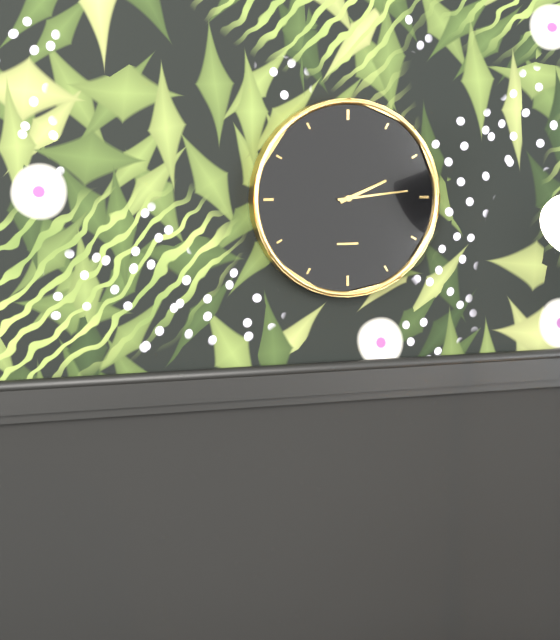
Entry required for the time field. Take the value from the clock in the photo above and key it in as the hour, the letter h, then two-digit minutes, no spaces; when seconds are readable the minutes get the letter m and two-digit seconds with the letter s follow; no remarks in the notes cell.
2h14
